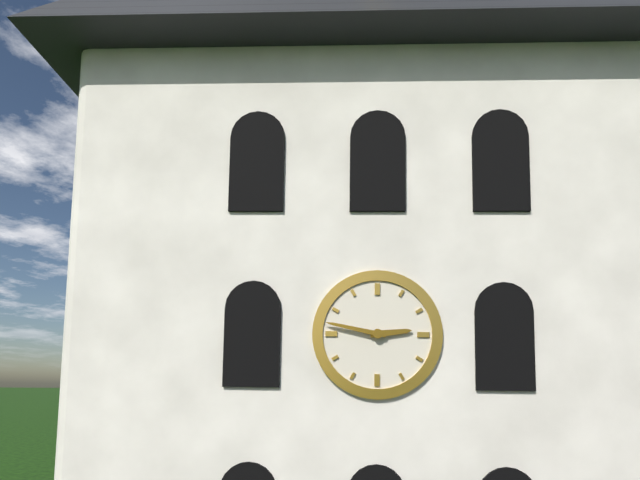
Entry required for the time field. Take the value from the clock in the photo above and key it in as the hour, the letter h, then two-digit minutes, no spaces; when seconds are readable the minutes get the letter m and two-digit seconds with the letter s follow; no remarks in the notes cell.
2h47
